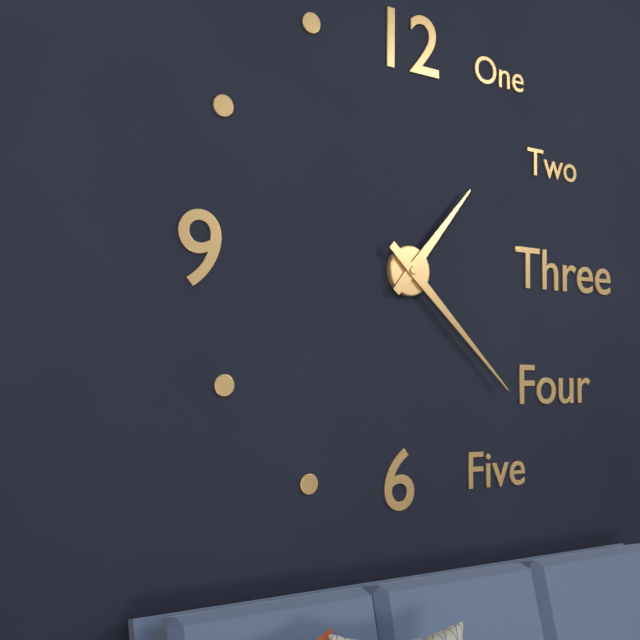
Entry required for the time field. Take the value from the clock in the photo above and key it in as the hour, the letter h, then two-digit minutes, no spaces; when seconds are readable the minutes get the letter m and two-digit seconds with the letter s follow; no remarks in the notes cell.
1h22
